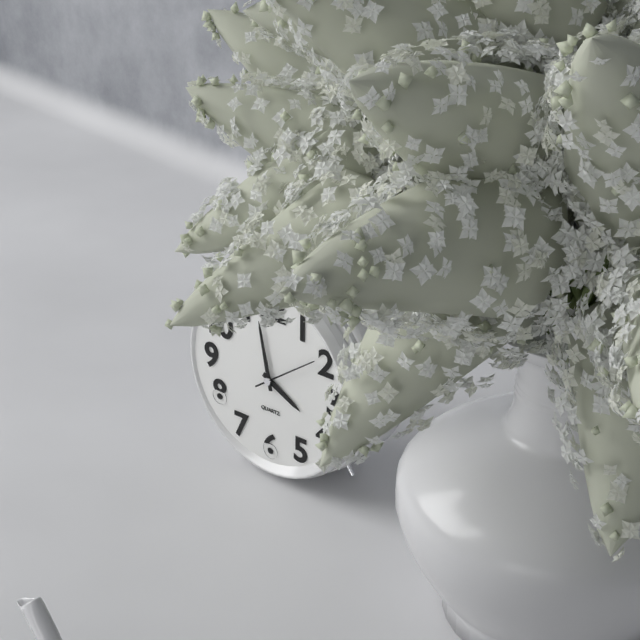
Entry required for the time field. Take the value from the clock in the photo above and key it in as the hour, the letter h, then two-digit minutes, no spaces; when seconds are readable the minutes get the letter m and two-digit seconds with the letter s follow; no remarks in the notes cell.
3h58m09s
